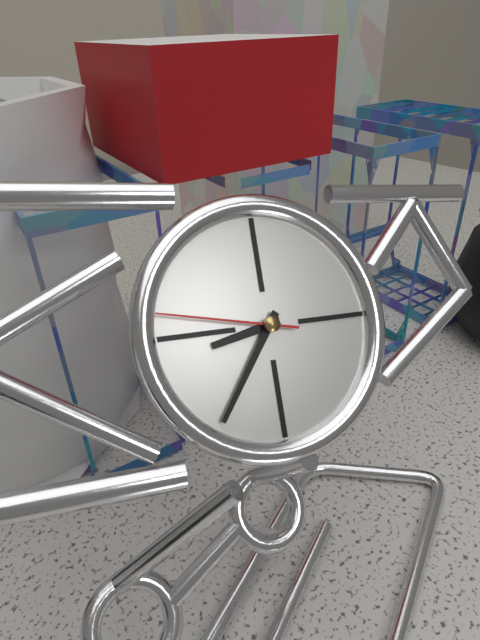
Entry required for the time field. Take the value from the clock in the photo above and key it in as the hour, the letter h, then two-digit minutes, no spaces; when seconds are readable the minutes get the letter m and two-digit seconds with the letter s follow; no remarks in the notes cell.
8h36m47s
